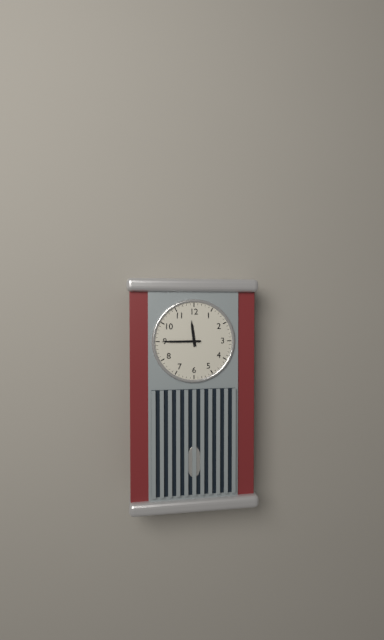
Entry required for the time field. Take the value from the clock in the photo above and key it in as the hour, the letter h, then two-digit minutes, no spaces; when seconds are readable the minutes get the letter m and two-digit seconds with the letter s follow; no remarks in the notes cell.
11h45
